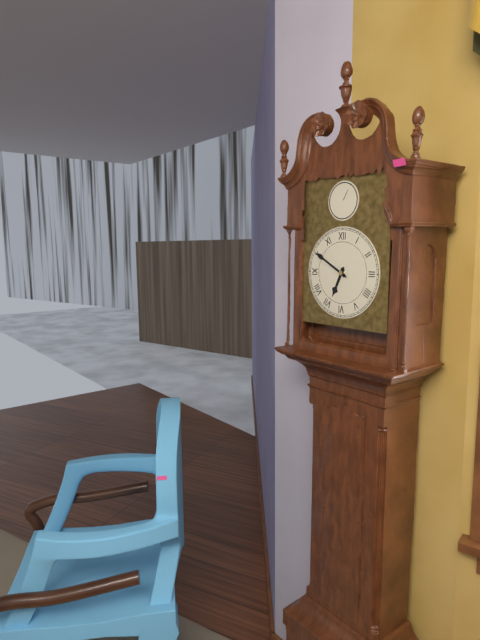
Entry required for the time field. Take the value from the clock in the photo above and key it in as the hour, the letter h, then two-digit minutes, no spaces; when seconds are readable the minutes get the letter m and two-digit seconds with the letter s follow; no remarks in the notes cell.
6h50
